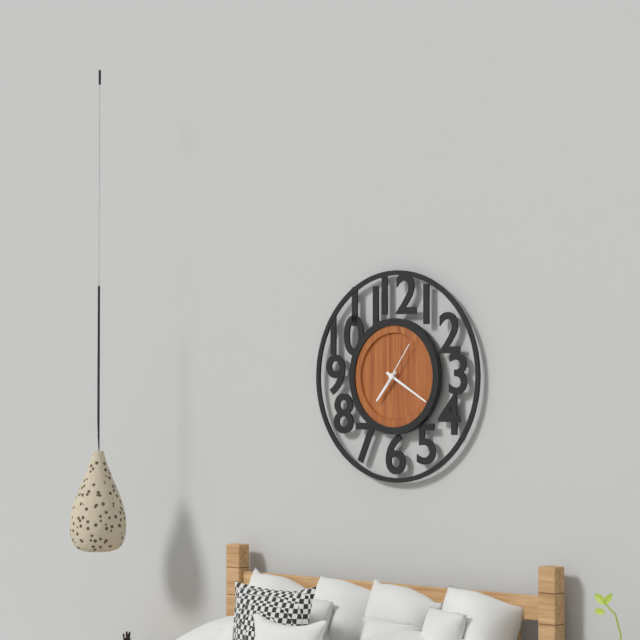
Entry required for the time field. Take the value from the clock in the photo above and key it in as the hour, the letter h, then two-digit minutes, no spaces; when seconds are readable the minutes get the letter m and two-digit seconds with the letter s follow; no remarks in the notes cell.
7h20
